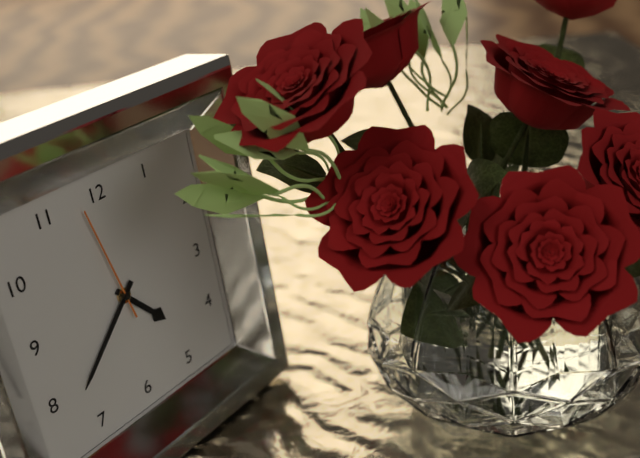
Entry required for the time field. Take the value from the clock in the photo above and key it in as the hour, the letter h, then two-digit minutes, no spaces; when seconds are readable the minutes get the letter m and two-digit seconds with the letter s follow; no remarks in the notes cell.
4h38m58s
